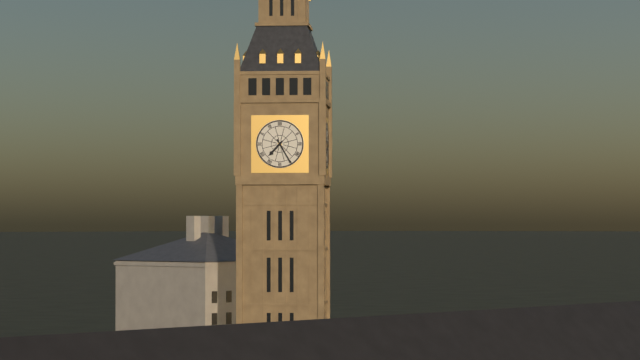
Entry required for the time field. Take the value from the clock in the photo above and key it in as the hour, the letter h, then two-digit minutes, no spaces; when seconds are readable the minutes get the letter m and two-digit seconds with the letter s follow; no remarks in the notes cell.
7h25
